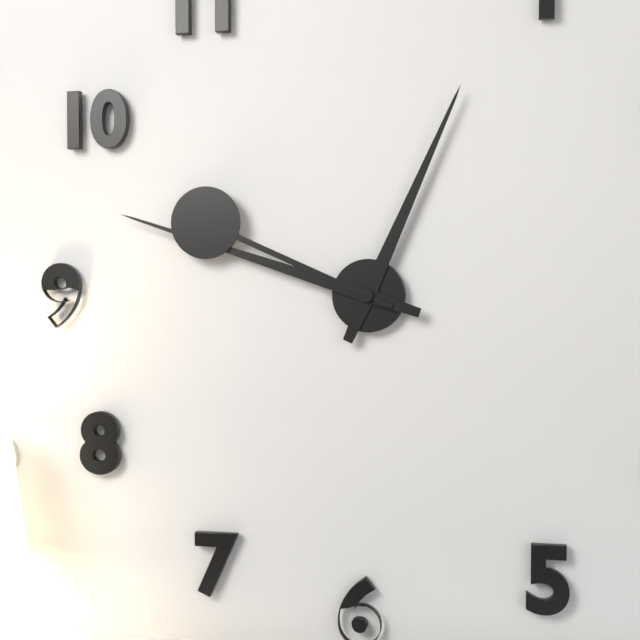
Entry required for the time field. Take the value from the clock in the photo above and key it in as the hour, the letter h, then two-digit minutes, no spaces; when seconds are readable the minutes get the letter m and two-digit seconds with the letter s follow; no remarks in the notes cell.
12h48m49s
